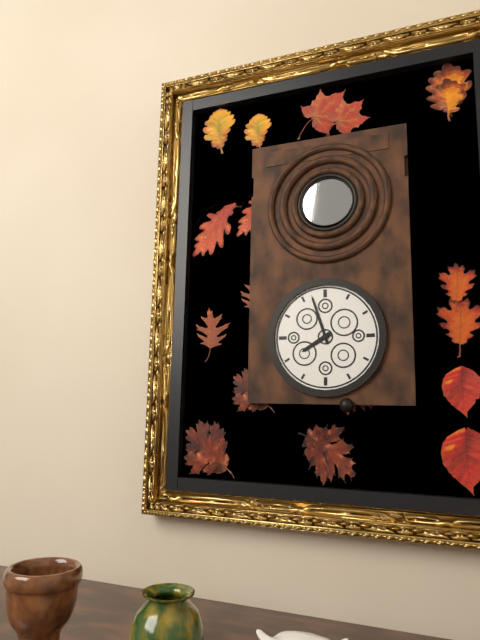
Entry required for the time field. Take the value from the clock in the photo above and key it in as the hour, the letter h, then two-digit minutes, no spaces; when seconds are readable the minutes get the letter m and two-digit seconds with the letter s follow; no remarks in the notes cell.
7h57
